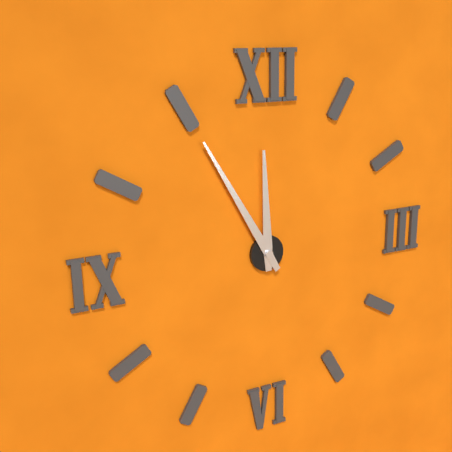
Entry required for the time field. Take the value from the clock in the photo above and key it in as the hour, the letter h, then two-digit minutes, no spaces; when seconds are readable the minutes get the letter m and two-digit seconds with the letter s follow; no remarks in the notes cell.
11h55
